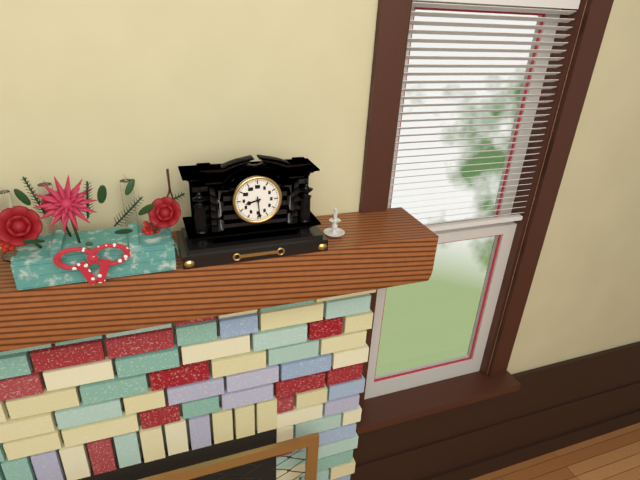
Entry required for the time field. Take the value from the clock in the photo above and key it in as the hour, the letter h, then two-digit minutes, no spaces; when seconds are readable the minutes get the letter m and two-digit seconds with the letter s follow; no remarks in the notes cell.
8h29
